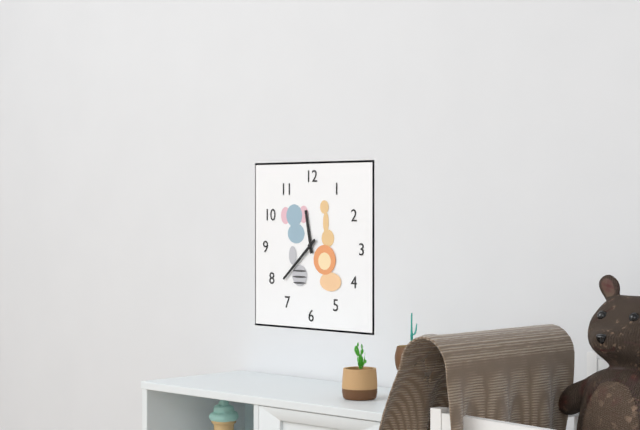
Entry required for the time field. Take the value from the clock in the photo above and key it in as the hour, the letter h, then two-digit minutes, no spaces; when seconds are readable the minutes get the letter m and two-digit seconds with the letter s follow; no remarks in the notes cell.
11h38
